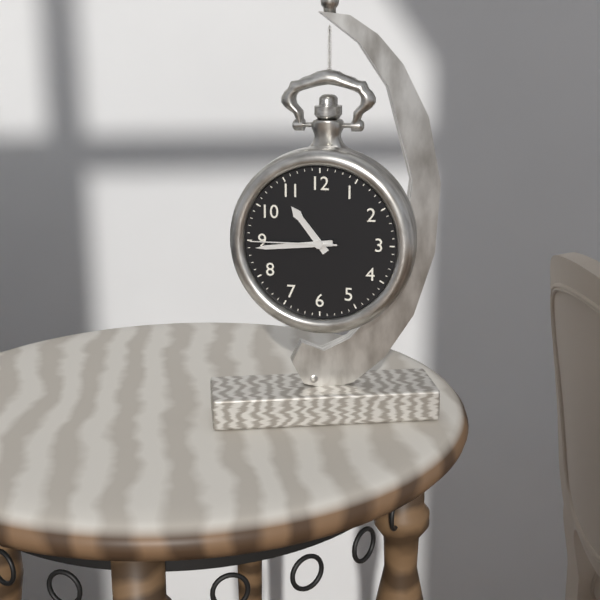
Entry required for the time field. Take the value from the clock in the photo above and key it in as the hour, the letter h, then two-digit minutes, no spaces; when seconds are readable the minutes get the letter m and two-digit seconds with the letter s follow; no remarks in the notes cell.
10h44m45s
